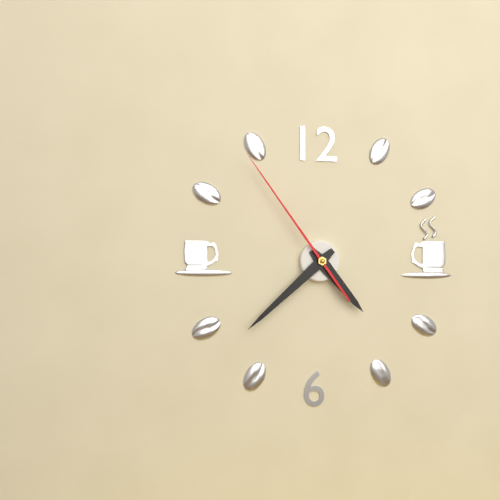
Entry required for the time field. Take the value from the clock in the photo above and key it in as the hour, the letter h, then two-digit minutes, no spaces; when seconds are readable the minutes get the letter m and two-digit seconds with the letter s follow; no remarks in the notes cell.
4h38m54s
